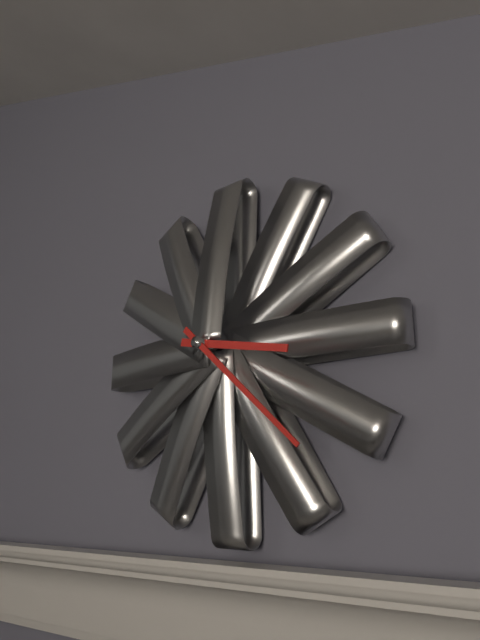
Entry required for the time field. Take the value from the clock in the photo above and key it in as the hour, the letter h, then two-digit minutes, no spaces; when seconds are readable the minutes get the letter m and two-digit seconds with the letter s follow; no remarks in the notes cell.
3h22
